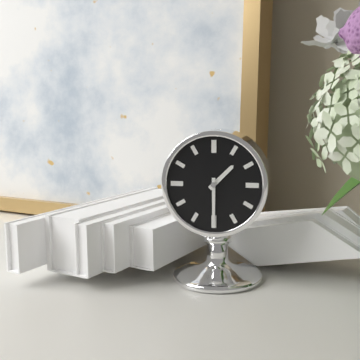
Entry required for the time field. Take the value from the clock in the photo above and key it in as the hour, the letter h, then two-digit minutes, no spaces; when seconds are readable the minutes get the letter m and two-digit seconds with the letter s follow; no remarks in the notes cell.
1h30
